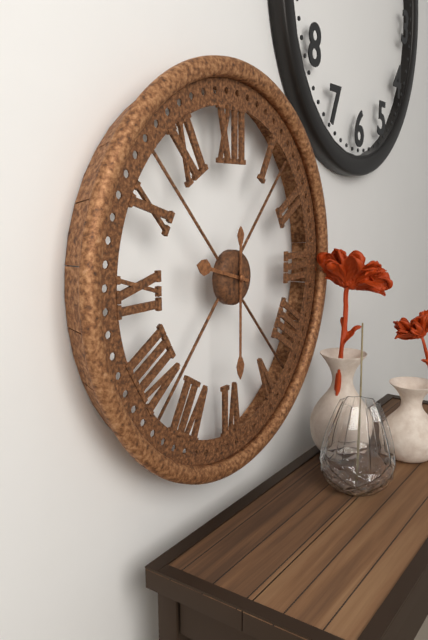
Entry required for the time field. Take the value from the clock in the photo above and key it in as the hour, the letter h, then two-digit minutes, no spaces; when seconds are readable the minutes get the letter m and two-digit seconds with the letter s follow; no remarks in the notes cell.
9h30
